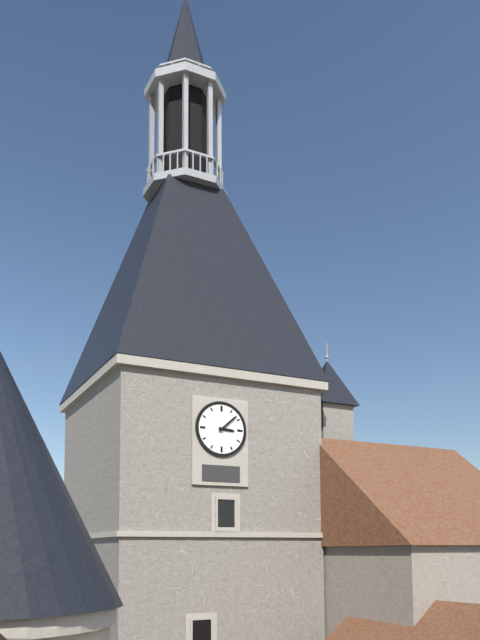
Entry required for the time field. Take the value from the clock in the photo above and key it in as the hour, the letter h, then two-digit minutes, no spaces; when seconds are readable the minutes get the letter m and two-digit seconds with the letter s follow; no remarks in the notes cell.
3h08
